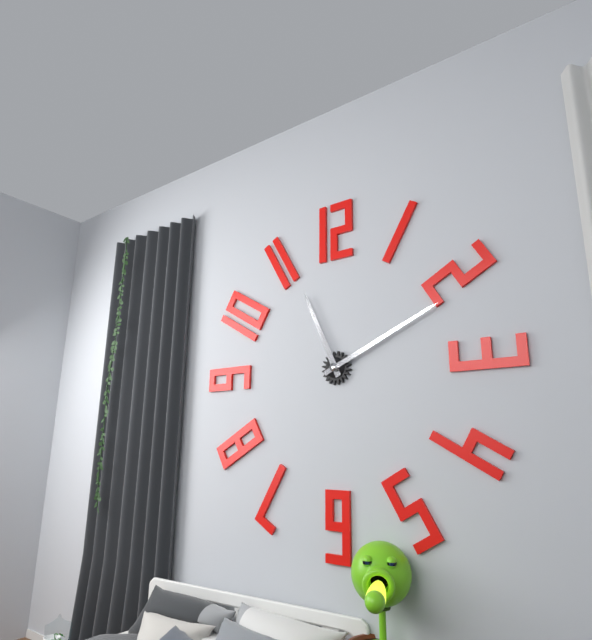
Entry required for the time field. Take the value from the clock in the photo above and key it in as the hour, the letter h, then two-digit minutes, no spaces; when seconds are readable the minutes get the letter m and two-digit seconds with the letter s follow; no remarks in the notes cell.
11h11
